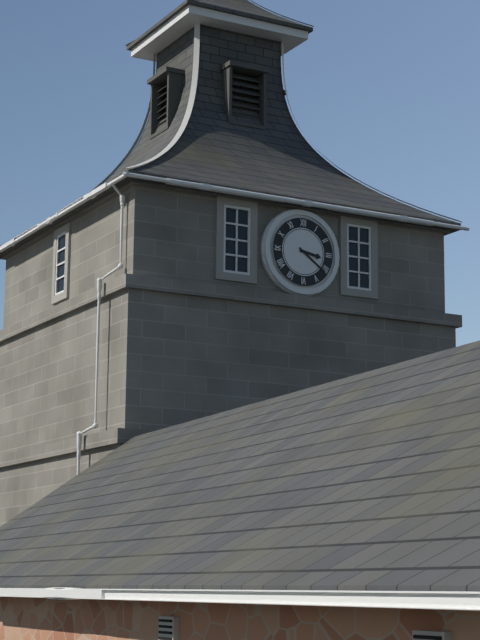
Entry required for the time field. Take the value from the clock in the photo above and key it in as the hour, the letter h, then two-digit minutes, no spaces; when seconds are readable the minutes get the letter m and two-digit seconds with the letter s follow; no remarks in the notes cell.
3h21
